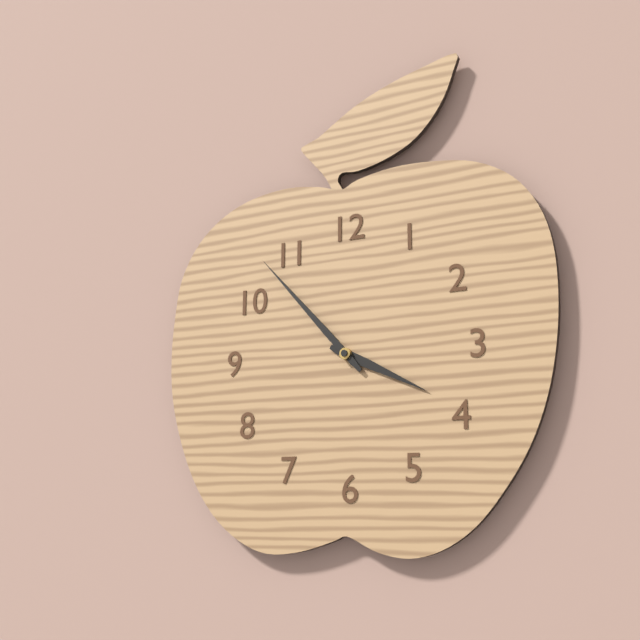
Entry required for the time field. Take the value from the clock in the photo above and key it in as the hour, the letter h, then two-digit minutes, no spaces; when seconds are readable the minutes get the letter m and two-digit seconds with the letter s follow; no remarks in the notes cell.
3h53
